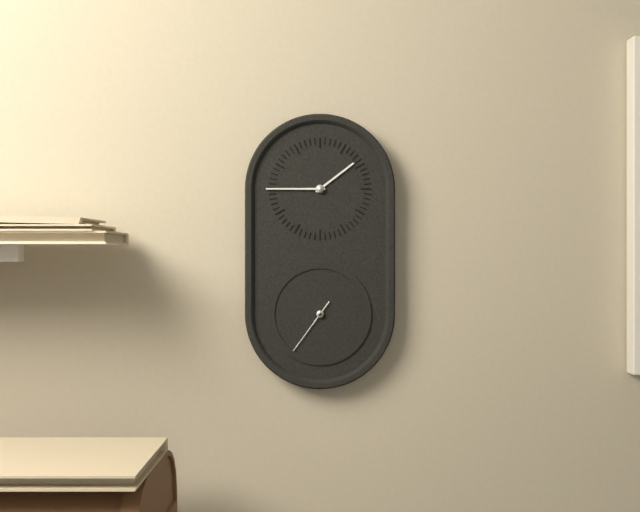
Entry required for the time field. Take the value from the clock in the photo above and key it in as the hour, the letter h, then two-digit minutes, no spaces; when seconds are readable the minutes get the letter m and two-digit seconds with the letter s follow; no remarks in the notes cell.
1h45m36s
